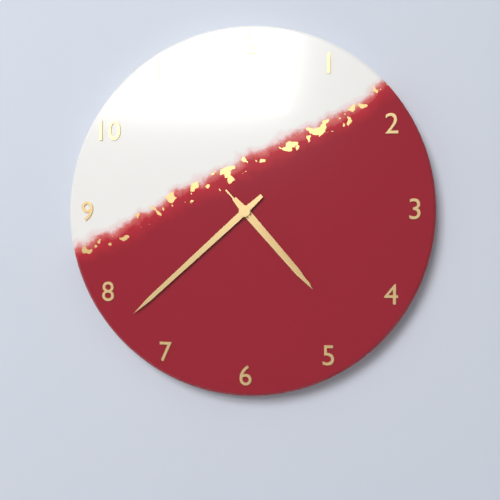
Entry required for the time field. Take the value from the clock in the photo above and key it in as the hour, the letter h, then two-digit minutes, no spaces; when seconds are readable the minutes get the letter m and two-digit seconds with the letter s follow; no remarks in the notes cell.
4h38m23s
